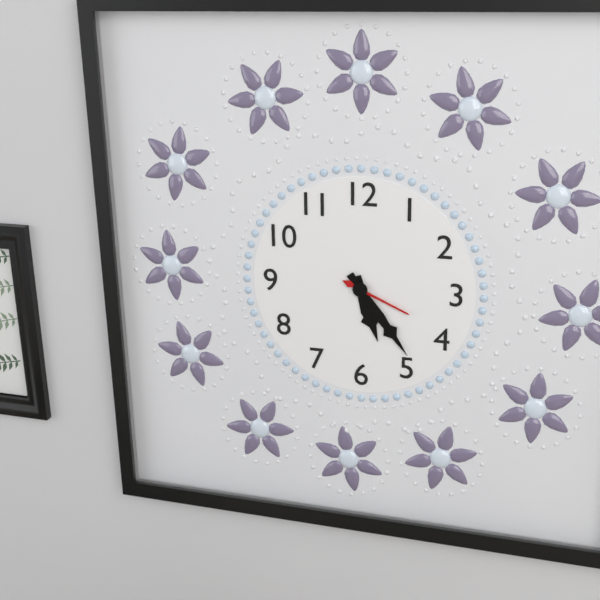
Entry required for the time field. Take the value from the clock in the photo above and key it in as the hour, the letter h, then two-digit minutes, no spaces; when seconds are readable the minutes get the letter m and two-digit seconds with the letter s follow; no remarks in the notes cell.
5h24m19s
